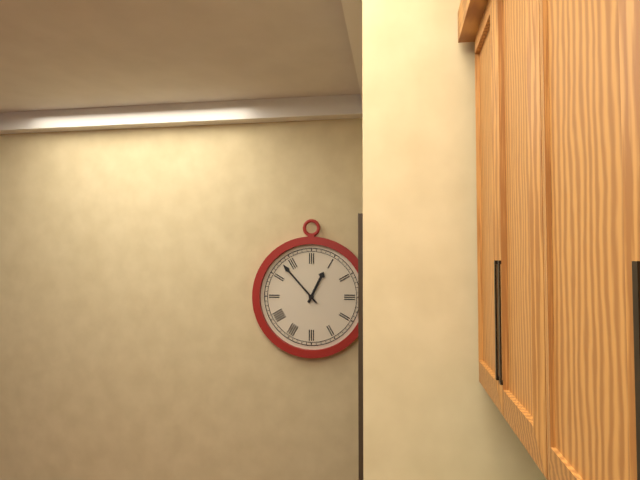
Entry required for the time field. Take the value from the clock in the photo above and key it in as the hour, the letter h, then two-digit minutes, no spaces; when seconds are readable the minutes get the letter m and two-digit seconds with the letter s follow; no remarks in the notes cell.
12h53
